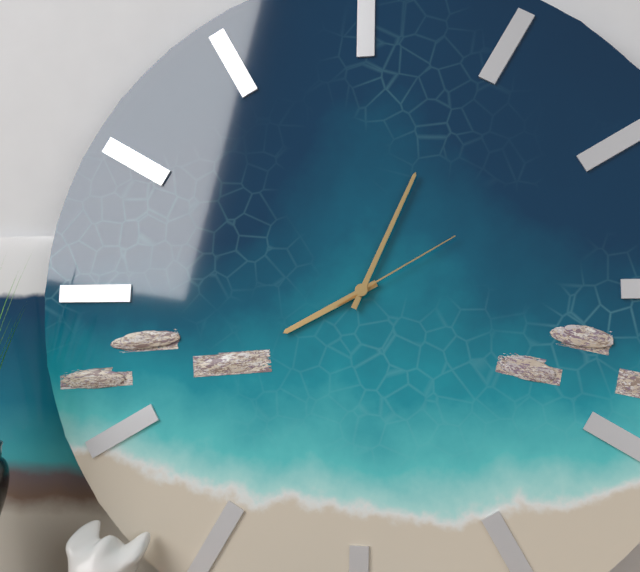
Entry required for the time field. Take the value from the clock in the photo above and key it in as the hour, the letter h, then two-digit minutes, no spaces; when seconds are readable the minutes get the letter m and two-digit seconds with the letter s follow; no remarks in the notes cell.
8h04m10s
